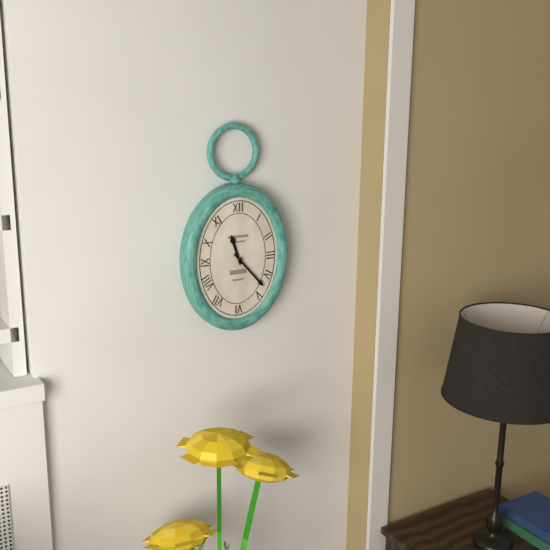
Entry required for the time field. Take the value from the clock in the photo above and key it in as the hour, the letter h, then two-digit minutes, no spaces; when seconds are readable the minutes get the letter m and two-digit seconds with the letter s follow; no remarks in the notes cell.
11h23
